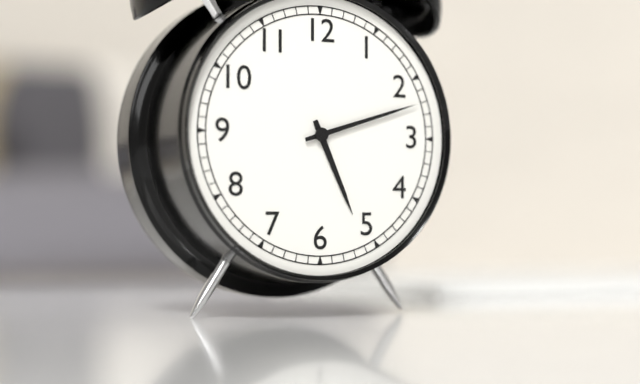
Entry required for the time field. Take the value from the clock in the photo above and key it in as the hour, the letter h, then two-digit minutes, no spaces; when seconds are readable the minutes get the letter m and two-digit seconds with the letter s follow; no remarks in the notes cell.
5h12
